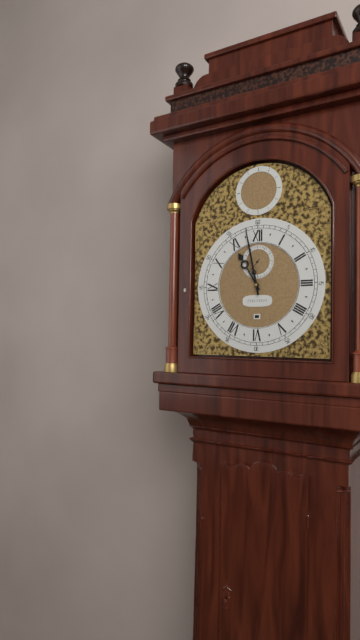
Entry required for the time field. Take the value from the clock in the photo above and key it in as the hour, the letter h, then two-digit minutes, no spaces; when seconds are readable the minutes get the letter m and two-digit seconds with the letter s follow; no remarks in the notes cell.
10h58
